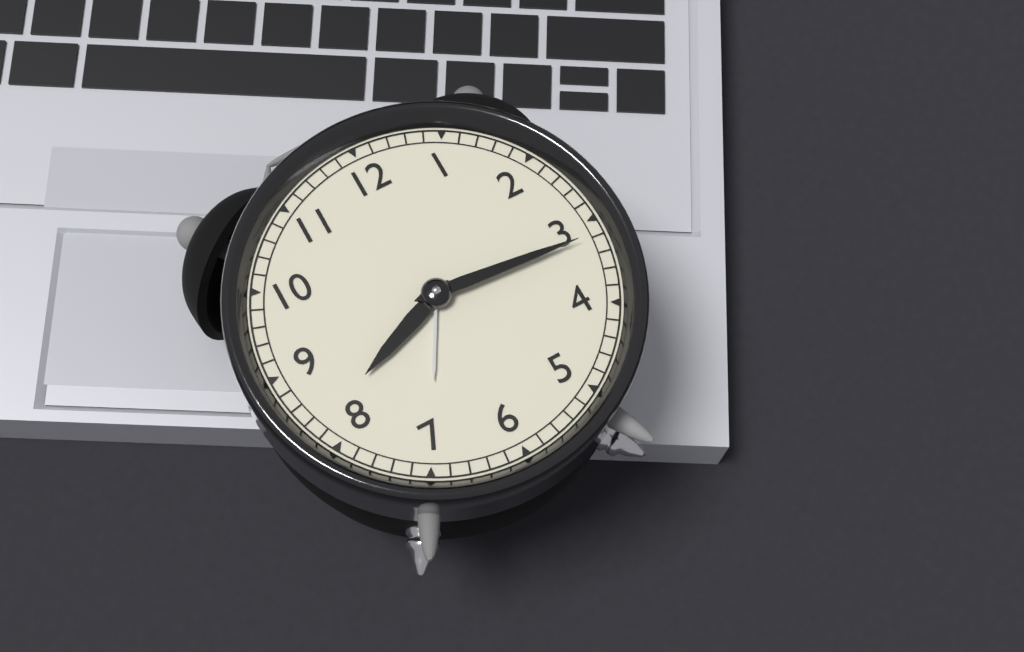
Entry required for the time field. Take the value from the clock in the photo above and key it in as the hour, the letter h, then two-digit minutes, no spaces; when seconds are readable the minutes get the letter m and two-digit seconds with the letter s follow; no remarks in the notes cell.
8h16
